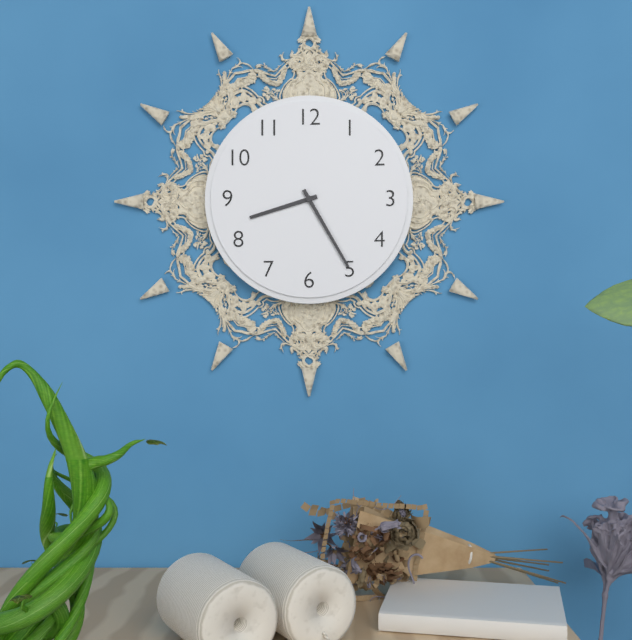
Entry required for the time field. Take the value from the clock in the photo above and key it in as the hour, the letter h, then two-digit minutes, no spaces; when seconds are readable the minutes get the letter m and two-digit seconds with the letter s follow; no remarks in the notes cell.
8h25
